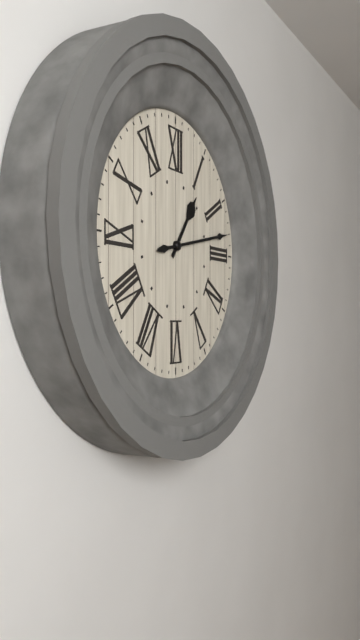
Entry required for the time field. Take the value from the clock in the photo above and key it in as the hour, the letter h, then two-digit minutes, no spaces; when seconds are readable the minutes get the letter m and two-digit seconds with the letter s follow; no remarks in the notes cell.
1h13
